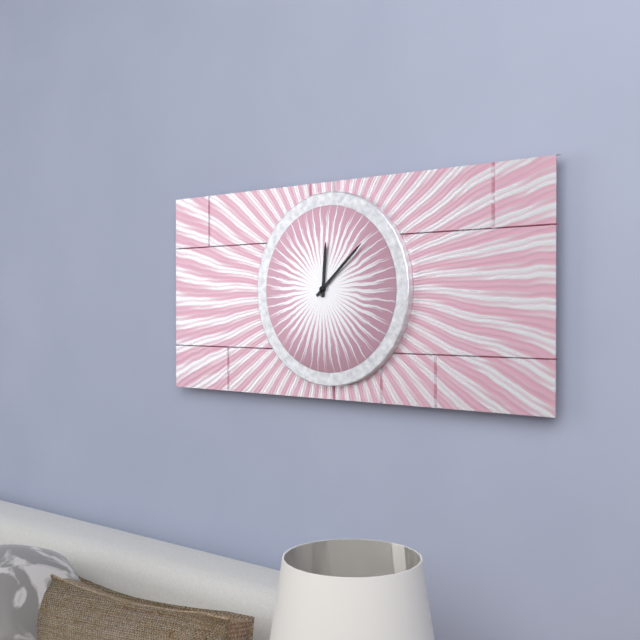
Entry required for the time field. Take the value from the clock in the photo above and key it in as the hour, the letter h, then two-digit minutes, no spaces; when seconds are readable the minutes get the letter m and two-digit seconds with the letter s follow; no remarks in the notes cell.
12h08
